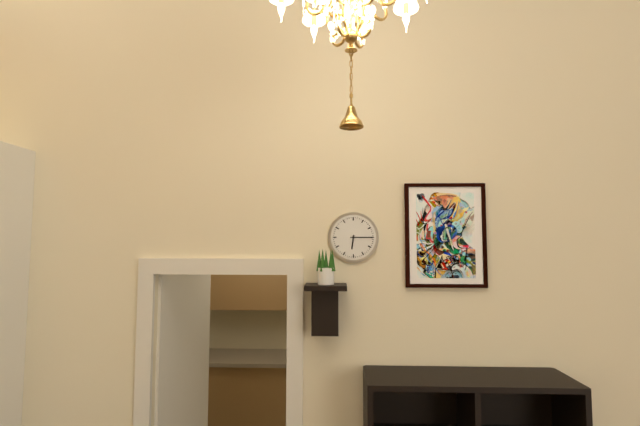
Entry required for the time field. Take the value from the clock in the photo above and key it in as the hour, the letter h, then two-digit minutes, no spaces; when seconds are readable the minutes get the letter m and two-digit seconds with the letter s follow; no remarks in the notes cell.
6h15
